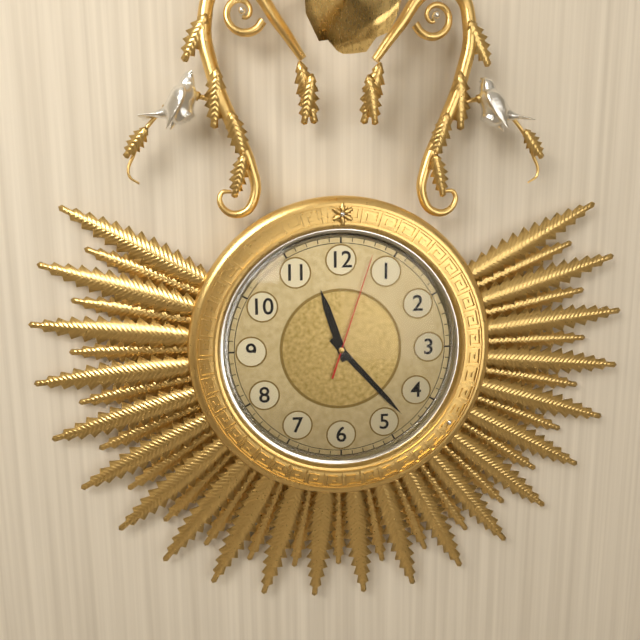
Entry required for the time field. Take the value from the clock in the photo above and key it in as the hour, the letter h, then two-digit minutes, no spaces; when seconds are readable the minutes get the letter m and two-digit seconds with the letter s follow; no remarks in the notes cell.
11h23m03s
